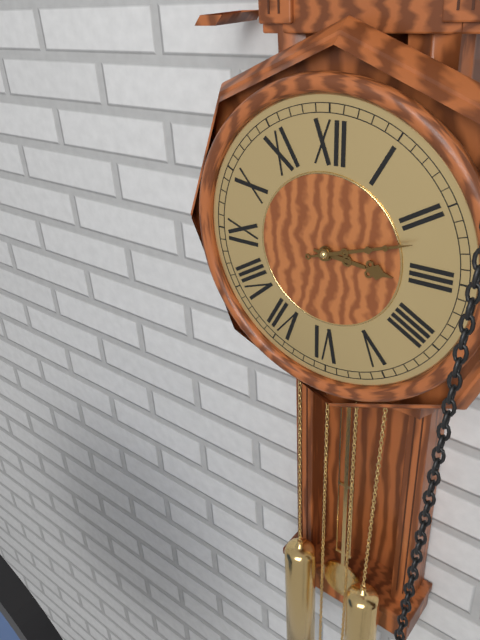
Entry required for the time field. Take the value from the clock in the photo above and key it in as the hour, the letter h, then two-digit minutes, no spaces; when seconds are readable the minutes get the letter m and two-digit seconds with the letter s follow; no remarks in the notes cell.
3h12
